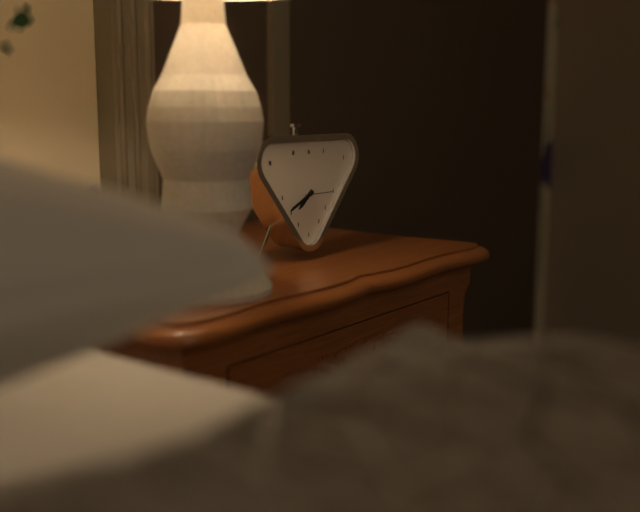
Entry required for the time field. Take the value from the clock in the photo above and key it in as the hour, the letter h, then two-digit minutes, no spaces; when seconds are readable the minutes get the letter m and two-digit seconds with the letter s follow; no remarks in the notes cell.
7h41
